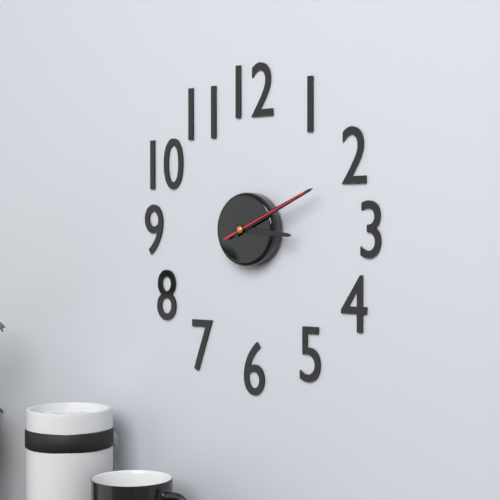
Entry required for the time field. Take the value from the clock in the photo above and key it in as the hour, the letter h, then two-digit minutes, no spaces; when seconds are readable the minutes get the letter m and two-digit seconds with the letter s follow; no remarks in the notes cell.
3h11m11s
